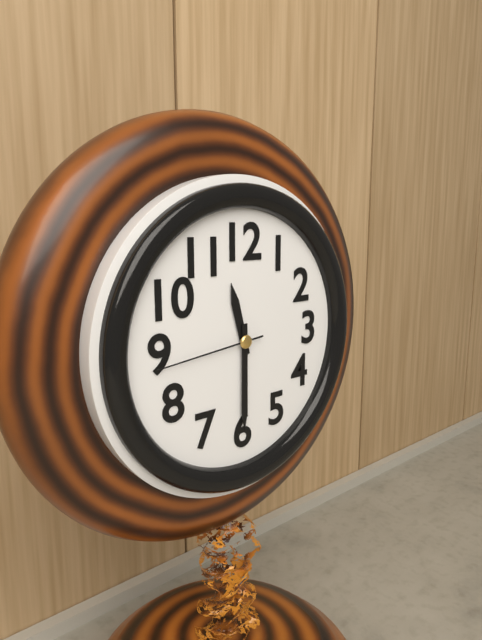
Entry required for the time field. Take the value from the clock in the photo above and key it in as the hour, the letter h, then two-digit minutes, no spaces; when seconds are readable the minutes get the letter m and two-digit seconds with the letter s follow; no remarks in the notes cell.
11h30m44s
